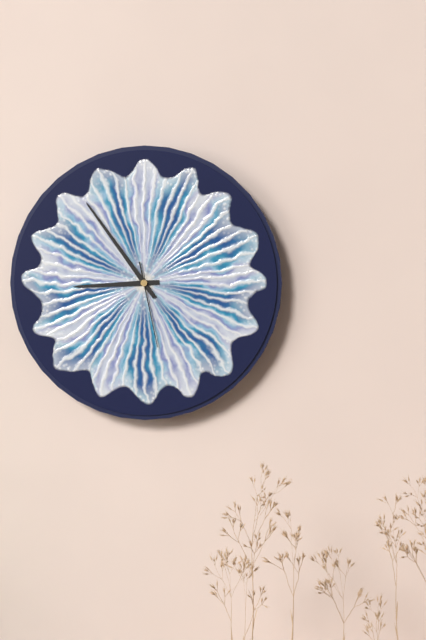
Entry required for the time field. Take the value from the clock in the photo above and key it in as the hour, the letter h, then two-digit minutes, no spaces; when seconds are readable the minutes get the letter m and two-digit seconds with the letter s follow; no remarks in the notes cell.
8h54m28s
